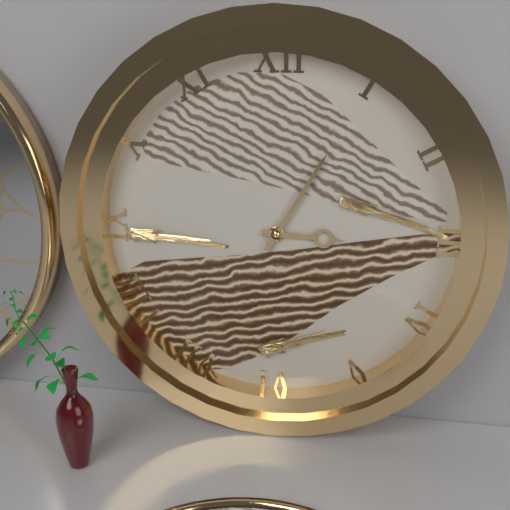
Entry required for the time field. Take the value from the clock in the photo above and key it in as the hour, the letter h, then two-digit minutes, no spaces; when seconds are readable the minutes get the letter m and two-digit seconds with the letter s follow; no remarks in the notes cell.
3h05
